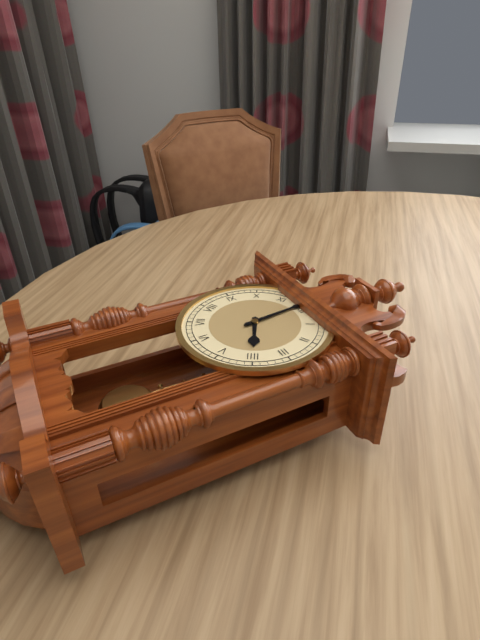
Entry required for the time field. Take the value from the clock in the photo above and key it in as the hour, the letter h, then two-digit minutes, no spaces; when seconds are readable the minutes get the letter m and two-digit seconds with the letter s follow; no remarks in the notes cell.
3h59
